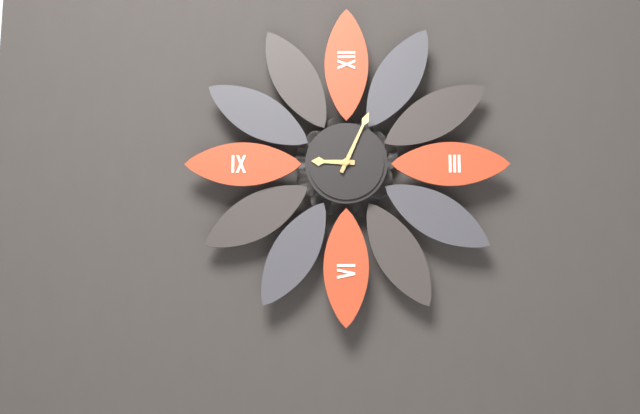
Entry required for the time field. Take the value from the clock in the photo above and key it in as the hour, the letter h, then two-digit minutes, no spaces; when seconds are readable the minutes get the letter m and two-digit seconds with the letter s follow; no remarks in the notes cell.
9h04
